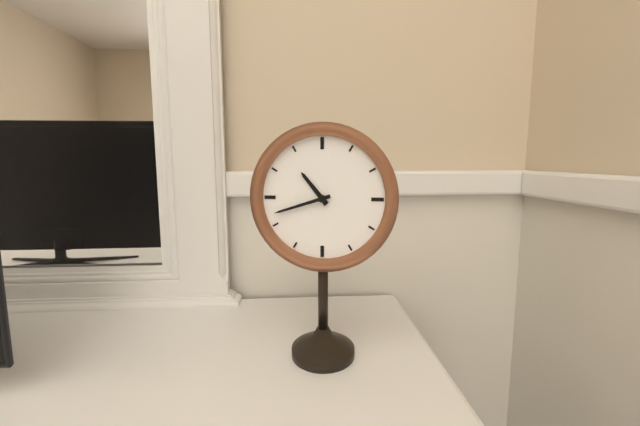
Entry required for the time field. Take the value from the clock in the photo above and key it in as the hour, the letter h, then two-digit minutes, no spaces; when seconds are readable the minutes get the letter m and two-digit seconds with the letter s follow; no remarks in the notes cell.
10h42
